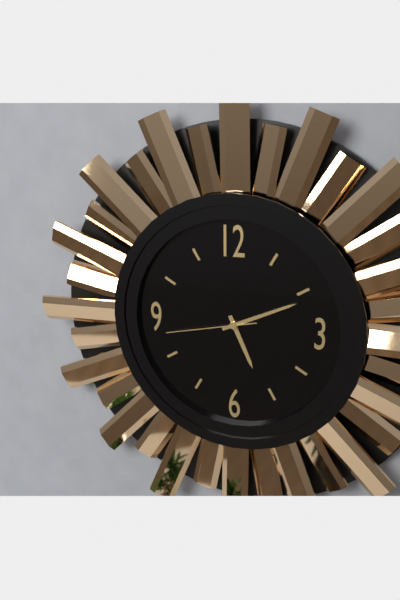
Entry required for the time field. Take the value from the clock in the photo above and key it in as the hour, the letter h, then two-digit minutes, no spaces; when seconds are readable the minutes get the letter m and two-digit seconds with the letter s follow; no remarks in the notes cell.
5h11m43s
